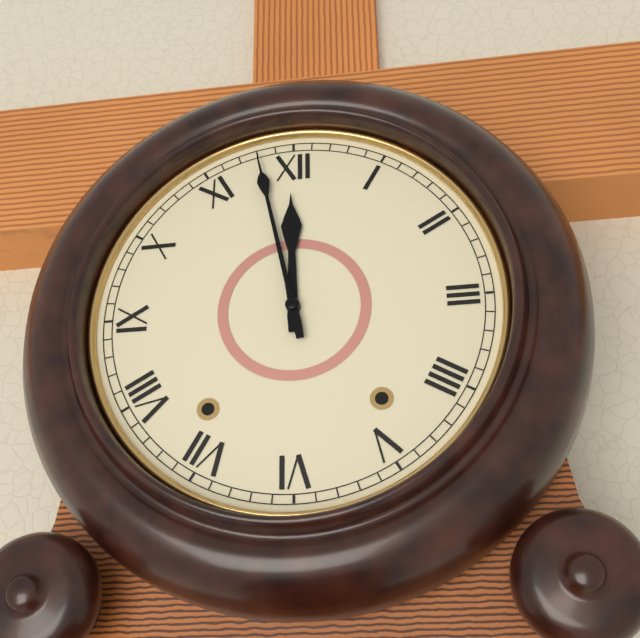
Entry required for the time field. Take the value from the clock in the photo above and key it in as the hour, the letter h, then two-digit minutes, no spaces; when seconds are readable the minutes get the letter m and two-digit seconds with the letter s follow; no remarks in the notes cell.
11h58
